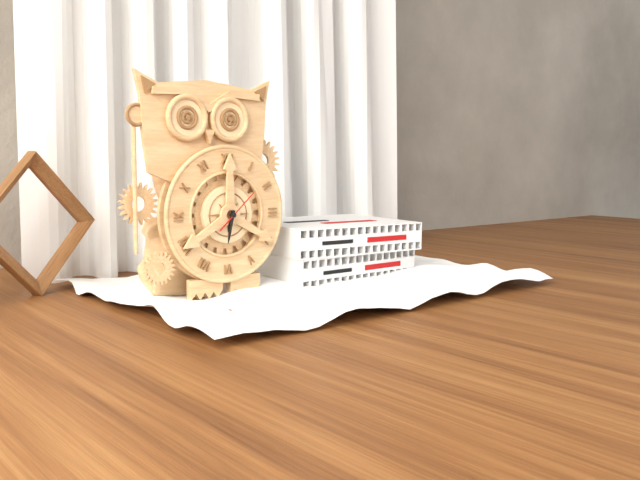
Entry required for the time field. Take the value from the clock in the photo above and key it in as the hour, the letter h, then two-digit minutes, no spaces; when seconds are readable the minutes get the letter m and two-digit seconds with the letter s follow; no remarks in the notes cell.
6h32
